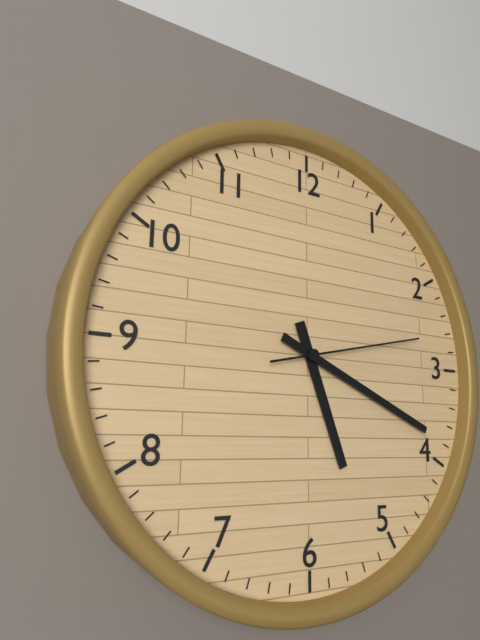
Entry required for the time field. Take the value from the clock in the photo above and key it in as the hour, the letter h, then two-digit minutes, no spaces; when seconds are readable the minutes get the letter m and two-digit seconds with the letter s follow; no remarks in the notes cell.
5h19m13s
